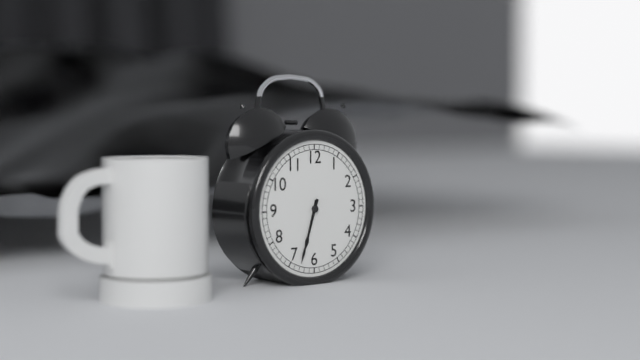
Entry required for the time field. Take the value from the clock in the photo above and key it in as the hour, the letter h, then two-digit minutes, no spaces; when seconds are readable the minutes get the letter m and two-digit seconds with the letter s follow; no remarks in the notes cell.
6h33
